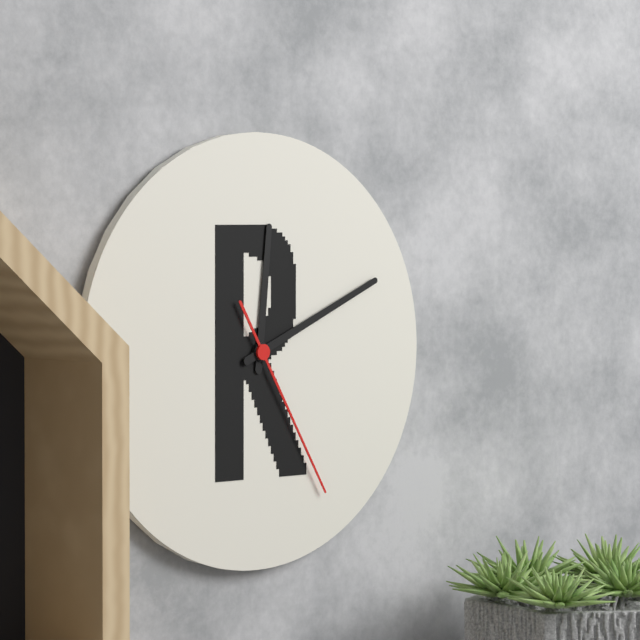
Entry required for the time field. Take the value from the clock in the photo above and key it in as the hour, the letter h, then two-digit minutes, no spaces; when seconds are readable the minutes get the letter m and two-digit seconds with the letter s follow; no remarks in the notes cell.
12h11m25s
